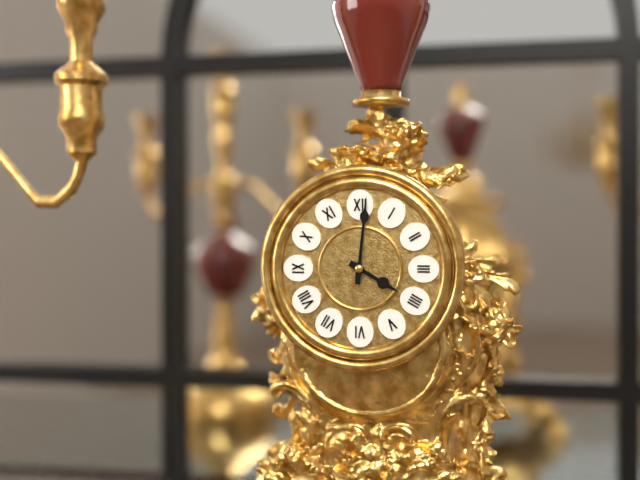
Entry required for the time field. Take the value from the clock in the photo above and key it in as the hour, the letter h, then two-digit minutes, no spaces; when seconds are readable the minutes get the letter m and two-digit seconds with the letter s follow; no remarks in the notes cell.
4h01
